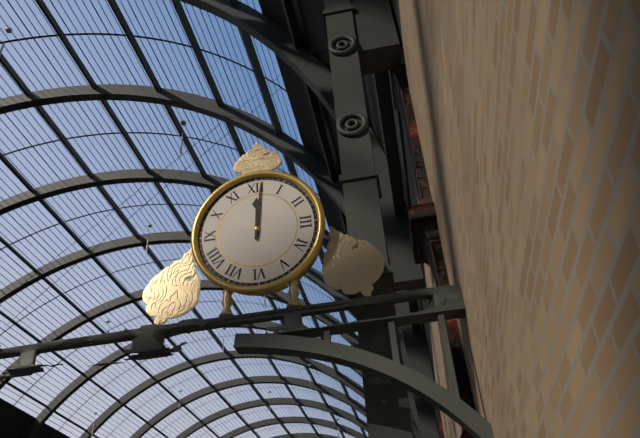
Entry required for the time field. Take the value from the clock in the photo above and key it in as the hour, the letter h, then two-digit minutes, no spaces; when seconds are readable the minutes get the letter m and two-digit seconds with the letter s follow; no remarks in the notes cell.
12h01
